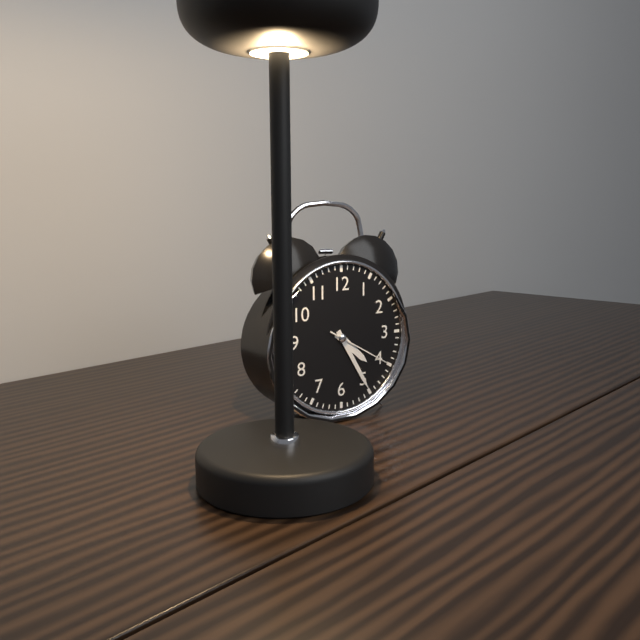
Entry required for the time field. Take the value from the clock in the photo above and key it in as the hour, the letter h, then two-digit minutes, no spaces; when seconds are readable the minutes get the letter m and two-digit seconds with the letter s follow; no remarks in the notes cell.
4h25m20s
